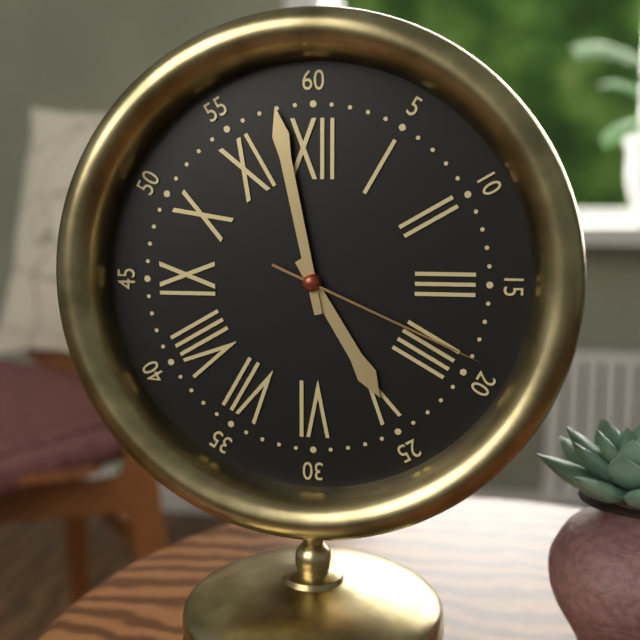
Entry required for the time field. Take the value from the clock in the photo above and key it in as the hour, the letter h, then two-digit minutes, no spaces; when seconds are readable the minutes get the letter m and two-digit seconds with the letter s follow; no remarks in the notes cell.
4h58m19s
